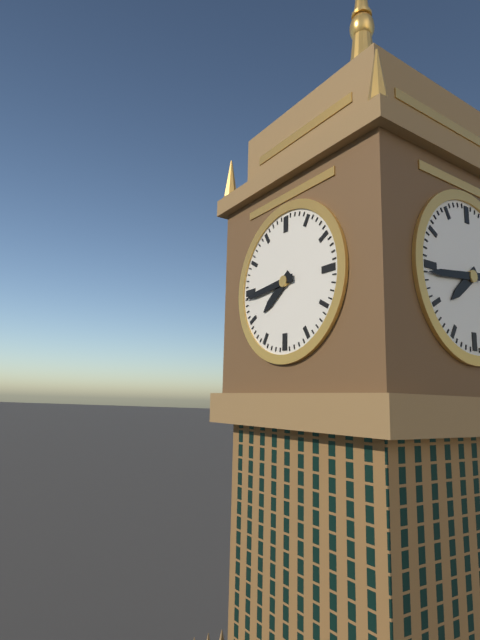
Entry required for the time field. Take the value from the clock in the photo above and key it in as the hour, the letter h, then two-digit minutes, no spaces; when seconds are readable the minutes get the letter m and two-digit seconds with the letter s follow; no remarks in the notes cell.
7h44
